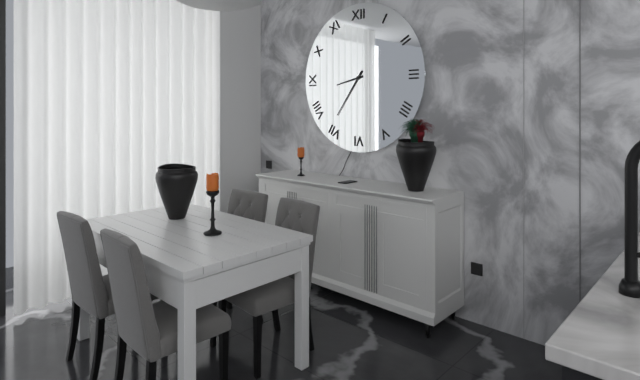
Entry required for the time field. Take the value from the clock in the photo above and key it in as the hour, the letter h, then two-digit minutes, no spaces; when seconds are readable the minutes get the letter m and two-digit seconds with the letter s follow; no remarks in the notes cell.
8h36
